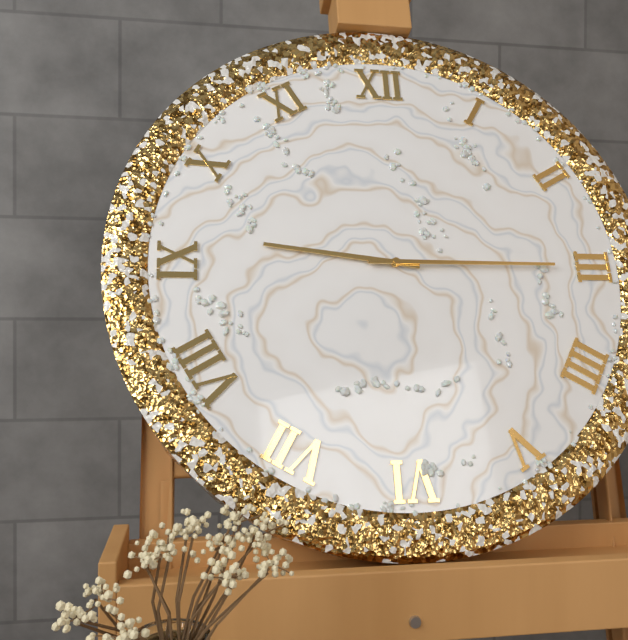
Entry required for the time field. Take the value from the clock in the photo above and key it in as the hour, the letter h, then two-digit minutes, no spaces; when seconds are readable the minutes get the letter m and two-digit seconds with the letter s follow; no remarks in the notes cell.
9h15
